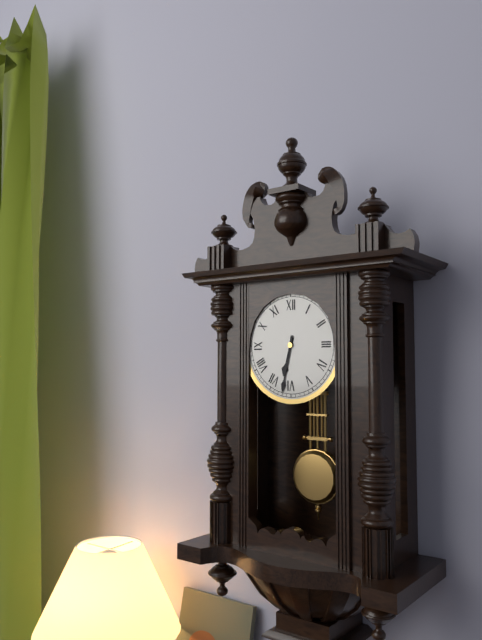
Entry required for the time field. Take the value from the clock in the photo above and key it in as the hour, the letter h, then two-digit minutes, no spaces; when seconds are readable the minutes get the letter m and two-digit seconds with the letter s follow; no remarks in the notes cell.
6h32
